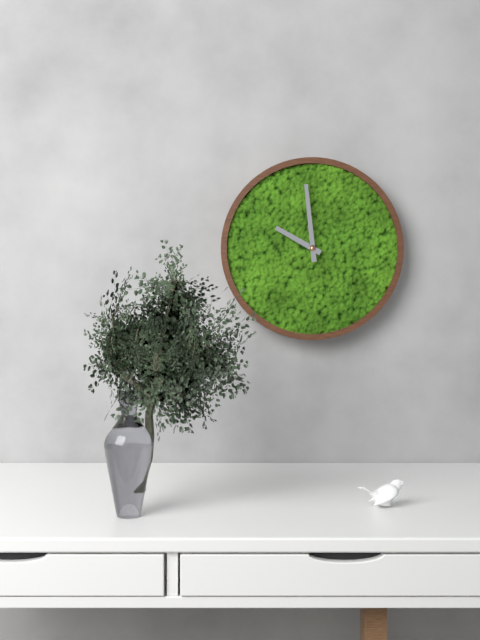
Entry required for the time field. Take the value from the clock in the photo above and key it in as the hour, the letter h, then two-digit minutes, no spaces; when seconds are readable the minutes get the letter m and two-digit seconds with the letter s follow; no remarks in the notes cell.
9h59
